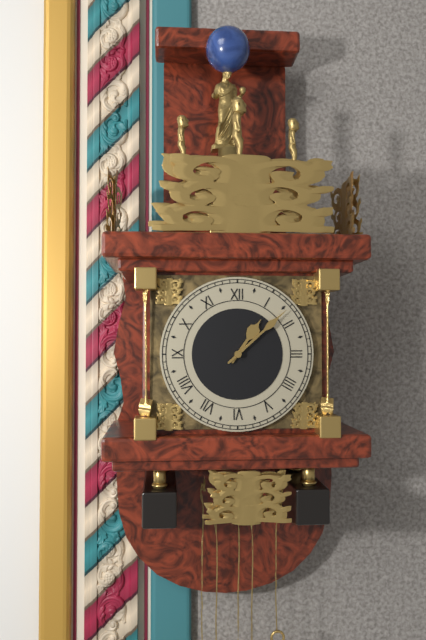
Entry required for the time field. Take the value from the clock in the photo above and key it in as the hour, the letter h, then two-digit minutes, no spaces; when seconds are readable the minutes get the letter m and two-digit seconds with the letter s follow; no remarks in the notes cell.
1h08
